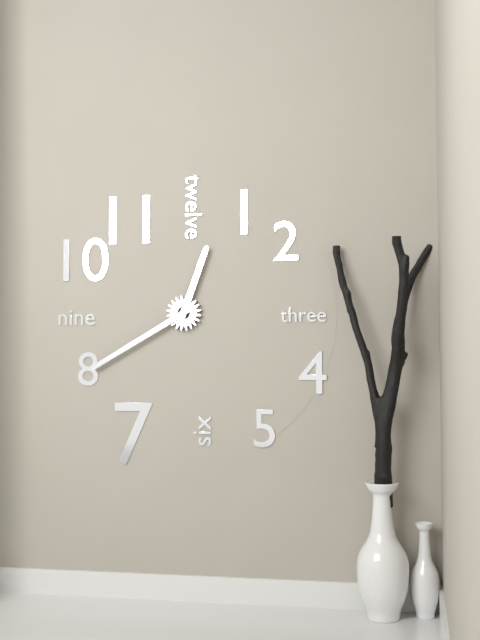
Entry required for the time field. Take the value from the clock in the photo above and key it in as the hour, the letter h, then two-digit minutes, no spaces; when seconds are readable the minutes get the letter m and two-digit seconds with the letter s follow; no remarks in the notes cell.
12h40
